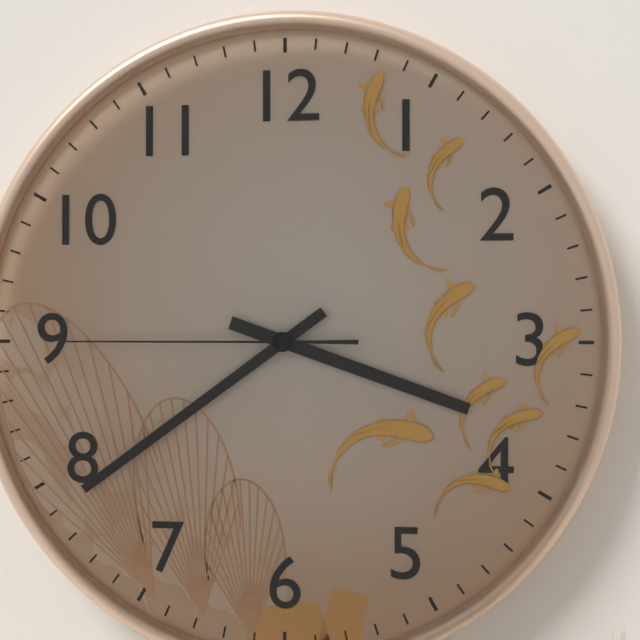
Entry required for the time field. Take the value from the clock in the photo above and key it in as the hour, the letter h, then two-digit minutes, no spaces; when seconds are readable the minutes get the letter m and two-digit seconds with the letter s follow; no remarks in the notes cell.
3h39m45s
